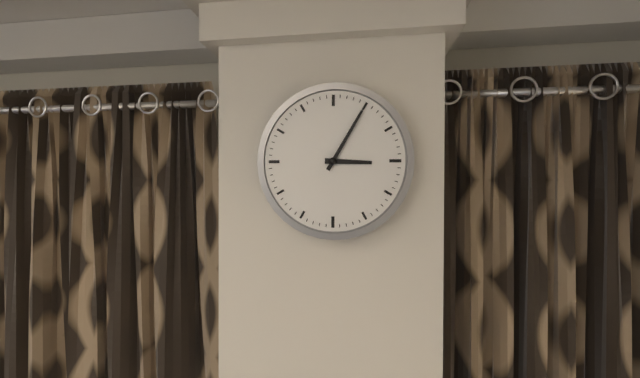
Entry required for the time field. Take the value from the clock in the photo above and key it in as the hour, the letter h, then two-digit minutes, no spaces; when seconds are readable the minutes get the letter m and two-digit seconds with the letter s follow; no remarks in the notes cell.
3h05
